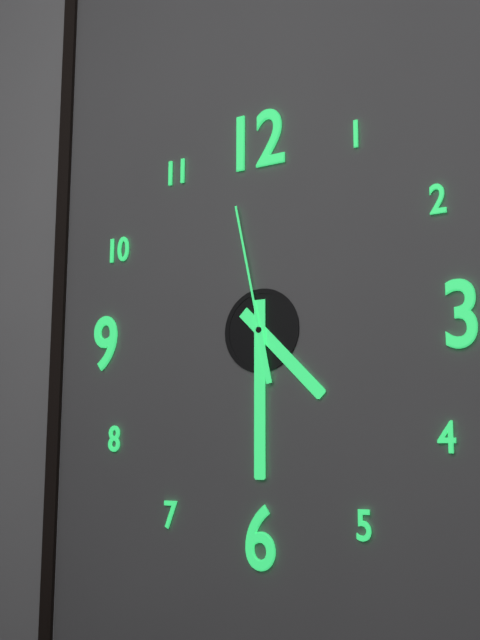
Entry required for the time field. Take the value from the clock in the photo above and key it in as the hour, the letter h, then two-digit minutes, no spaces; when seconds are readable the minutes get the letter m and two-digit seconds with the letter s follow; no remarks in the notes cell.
4h30m58s
